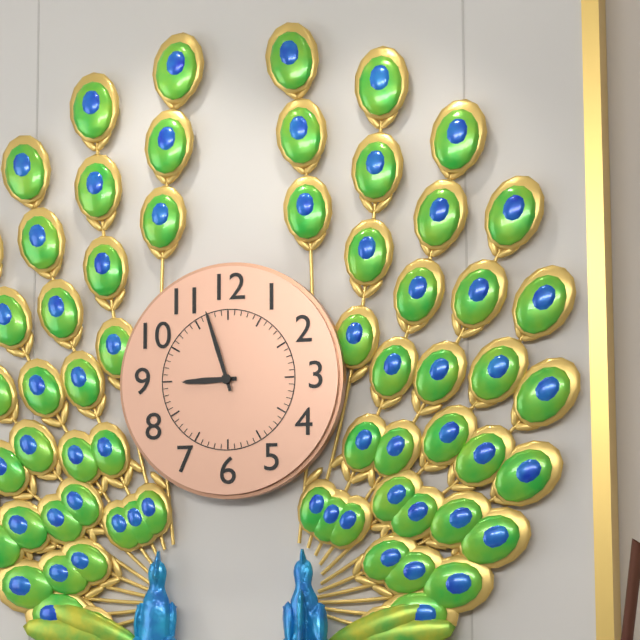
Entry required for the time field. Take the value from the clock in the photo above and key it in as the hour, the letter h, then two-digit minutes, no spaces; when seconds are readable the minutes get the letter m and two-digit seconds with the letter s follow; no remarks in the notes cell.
8h57
